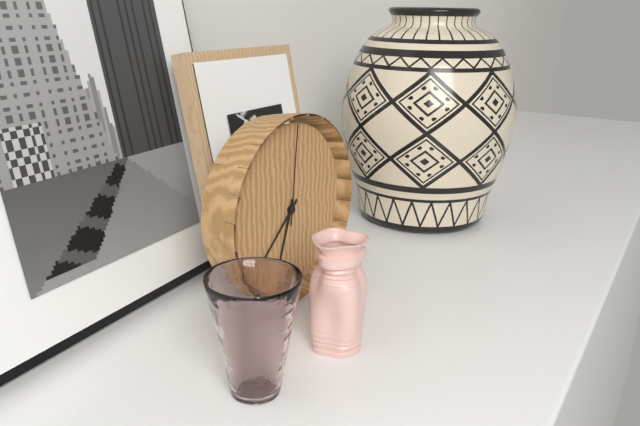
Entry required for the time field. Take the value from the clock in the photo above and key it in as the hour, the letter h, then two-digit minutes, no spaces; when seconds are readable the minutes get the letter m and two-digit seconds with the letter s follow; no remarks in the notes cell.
6h38m01s
